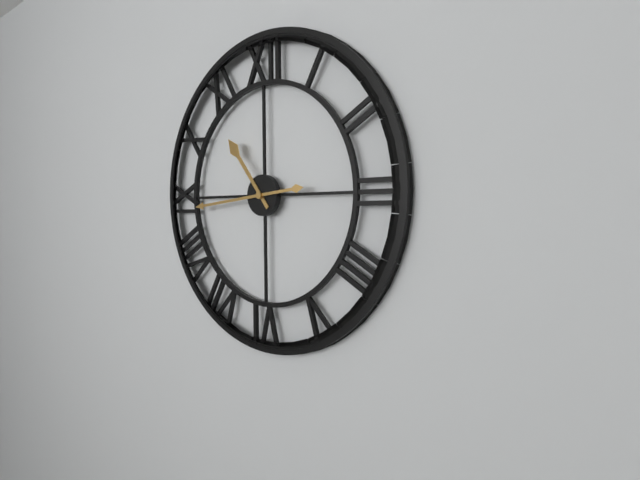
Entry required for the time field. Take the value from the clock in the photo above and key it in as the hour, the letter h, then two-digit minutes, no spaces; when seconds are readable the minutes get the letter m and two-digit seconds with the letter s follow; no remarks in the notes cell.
10h44
